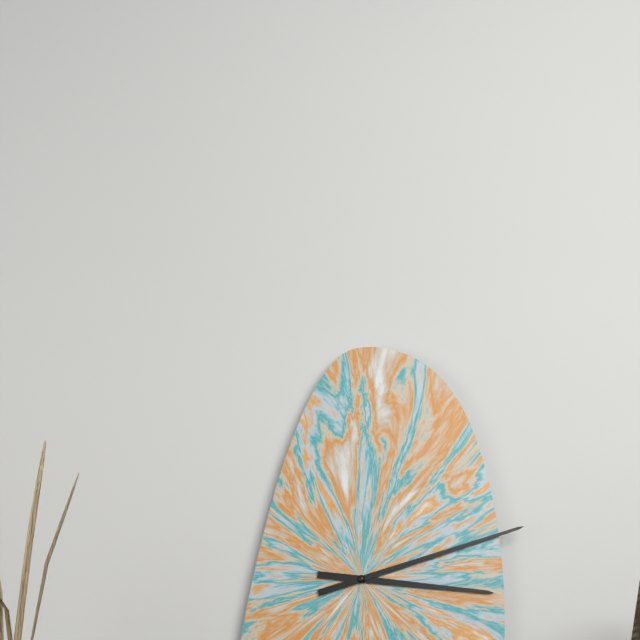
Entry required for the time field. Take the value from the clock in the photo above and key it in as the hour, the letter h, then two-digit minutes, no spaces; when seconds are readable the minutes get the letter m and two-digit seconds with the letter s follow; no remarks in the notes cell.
3h12
